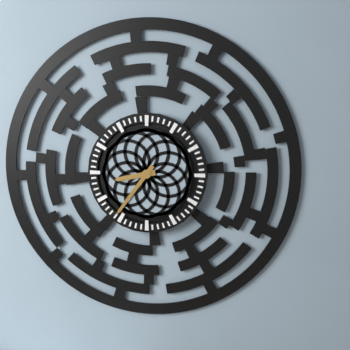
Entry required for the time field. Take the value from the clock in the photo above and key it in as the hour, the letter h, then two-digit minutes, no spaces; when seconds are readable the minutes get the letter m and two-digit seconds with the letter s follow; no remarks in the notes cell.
8h36
